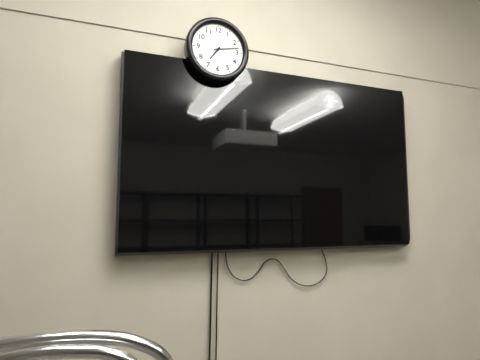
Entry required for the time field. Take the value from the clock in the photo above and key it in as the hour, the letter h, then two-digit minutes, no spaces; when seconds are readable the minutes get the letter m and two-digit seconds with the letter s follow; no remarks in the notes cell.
7h13
